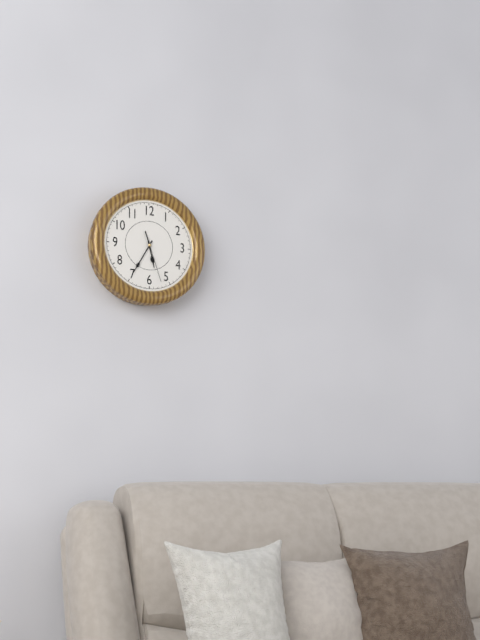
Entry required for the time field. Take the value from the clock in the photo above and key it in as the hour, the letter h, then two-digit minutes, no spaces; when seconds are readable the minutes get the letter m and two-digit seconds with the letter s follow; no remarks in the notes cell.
5h35
